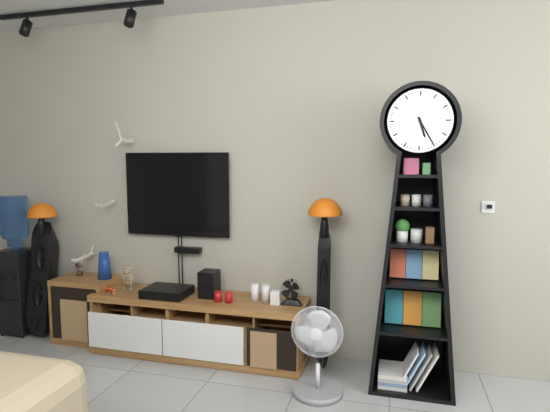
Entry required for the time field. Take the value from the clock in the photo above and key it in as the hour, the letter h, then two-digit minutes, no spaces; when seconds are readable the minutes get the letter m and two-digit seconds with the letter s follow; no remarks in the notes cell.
5h25
